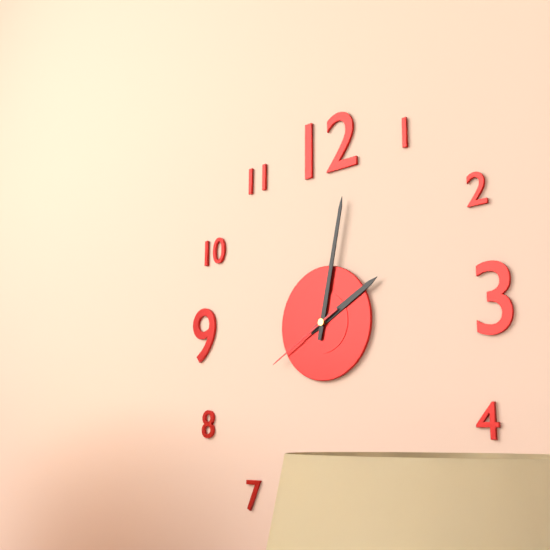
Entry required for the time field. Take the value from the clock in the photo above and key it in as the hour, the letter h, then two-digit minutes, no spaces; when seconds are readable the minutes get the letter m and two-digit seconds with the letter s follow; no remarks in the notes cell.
2h02m40s
